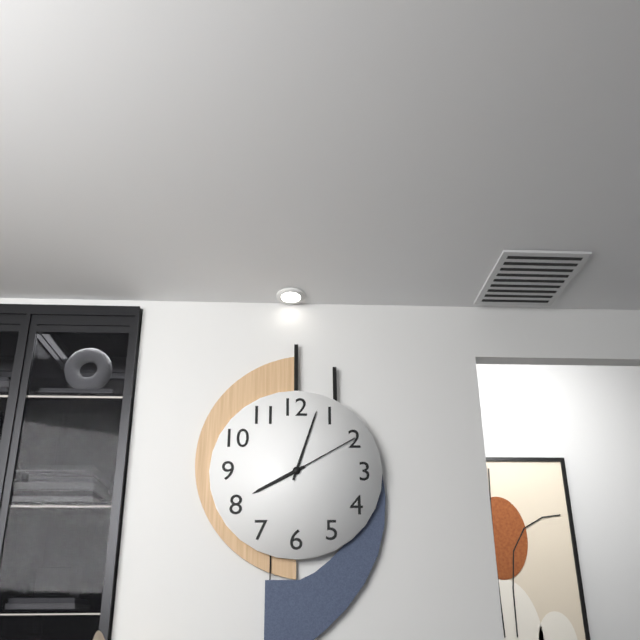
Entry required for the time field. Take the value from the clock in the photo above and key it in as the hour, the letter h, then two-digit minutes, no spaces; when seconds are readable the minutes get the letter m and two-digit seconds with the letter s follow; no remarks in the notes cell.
8h03m10s
